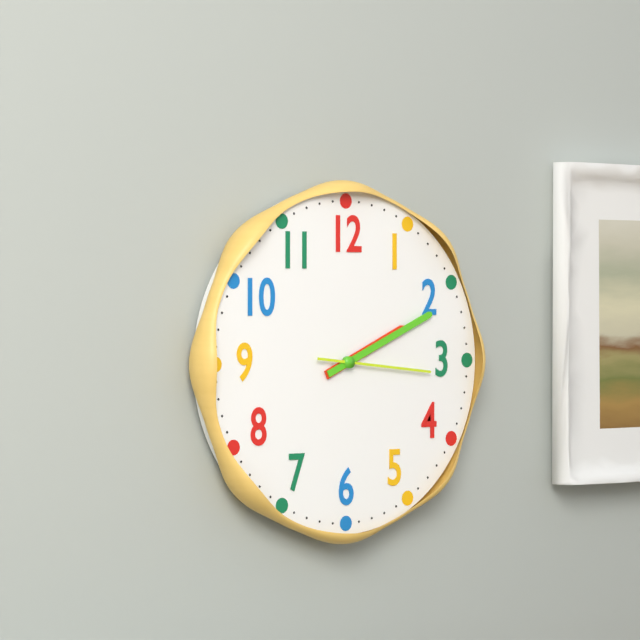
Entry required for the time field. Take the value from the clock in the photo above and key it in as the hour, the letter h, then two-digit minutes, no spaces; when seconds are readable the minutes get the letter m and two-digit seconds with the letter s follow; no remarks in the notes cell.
2h11m16s
